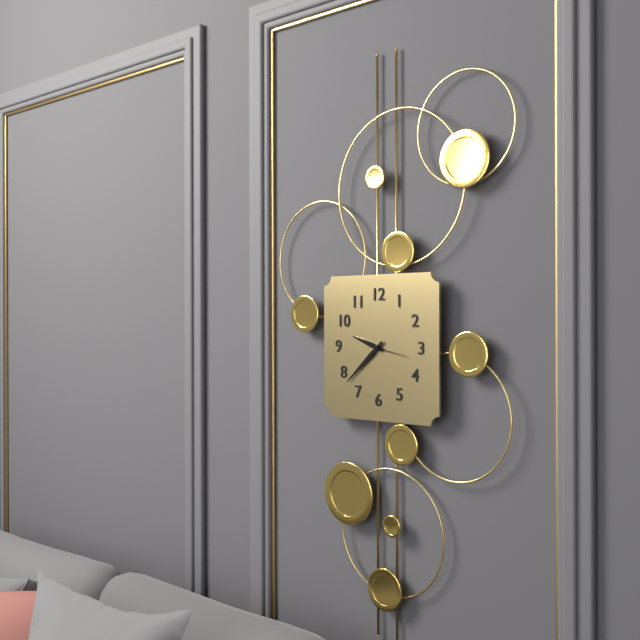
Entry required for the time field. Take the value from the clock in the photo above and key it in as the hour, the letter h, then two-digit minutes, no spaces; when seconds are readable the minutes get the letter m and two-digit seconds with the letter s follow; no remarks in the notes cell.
9h38
